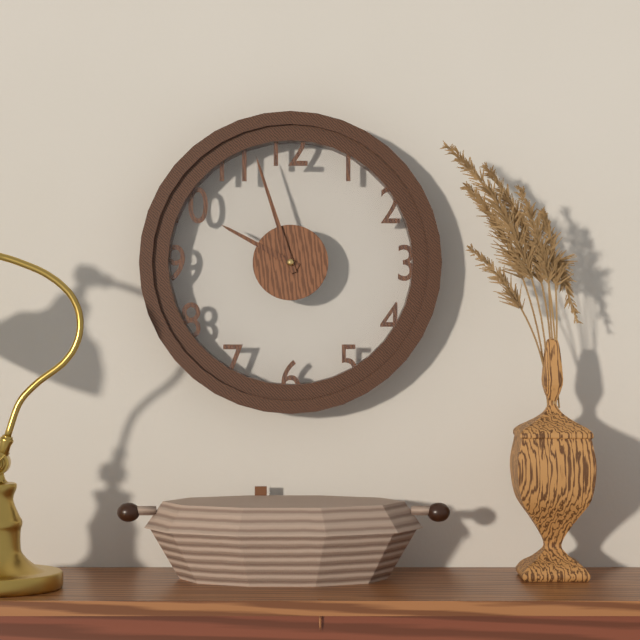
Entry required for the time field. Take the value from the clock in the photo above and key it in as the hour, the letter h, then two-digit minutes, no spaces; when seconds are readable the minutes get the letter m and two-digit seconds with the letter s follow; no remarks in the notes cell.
9h57
